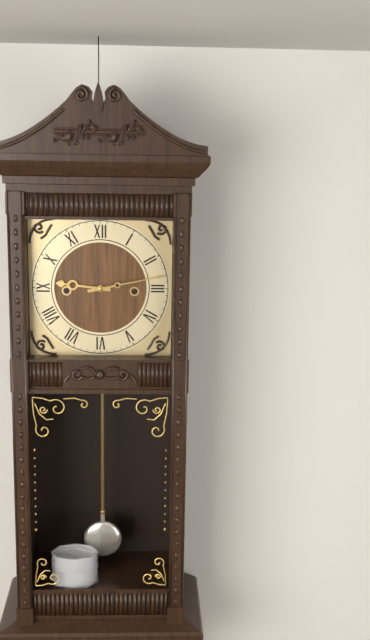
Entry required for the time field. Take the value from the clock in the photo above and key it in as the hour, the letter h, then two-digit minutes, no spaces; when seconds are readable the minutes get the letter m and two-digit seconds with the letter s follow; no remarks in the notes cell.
9h13
